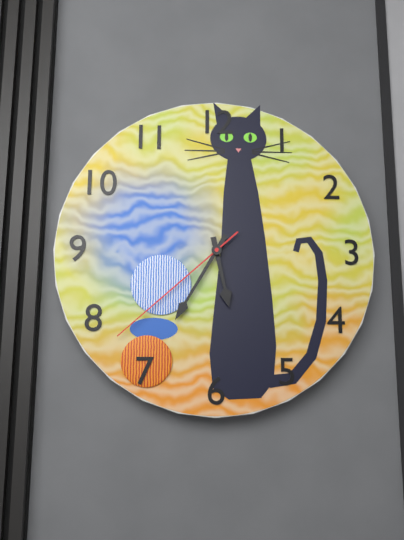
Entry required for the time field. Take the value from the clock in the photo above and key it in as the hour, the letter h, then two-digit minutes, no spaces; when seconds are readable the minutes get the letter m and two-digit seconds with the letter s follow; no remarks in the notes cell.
5h35m38s
